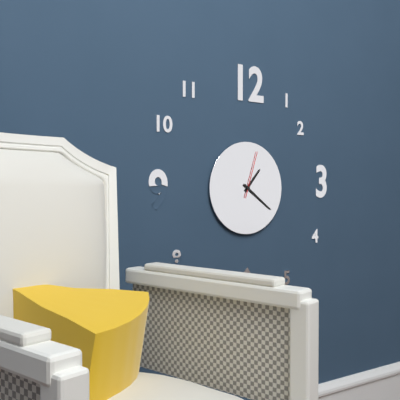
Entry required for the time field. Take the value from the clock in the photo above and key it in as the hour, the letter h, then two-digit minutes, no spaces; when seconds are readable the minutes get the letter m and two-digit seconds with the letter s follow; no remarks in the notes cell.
1h21
